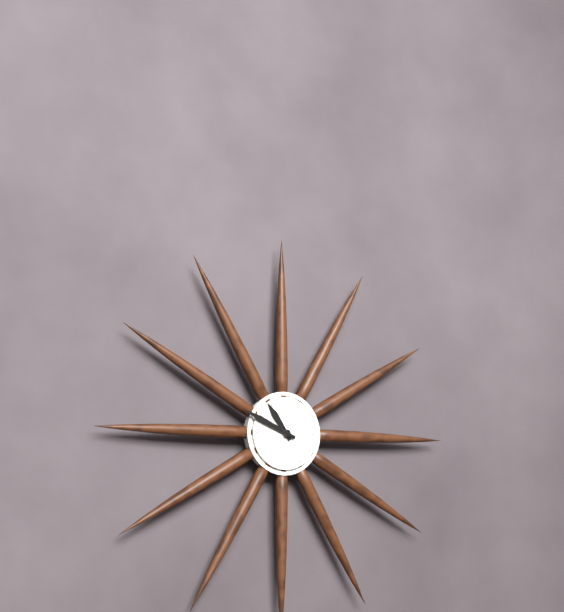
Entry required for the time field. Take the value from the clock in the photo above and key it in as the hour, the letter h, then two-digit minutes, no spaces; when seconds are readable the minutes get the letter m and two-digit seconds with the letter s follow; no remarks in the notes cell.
10h49
